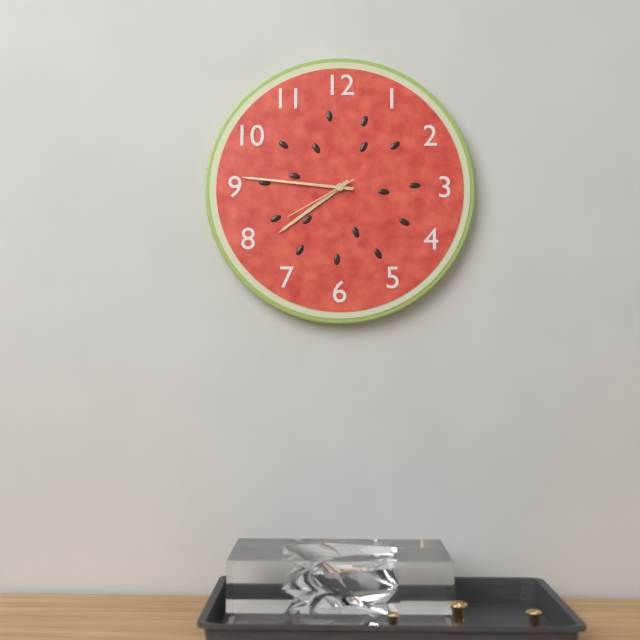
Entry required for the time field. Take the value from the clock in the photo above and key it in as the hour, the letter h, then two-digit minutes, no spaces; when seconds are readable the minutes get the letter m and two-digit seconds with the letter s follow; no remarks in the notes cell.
7h46m40s
